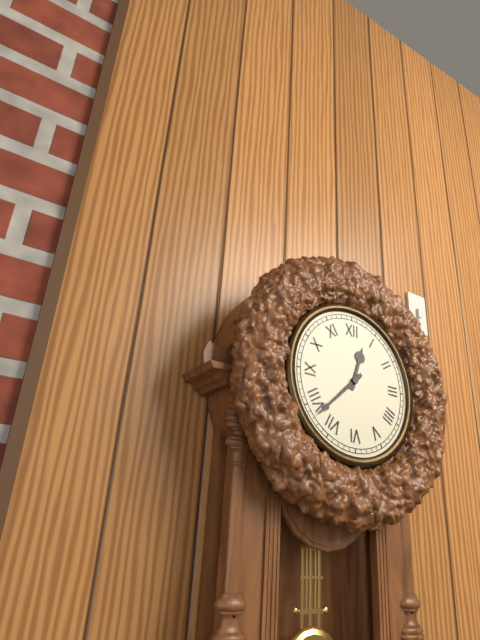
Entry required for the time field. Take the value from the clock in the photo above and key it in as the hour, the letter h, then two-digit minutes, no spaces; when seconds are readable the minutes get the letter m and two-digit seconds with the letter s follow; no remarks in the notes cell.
12h38
